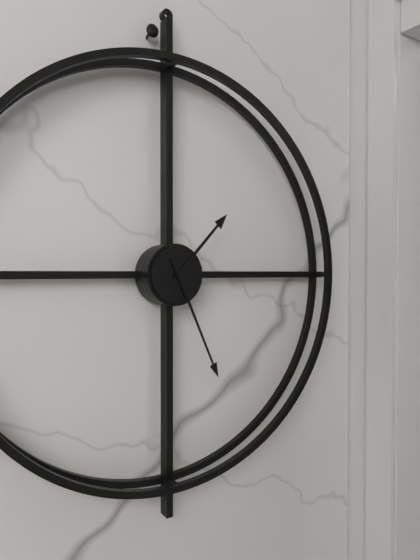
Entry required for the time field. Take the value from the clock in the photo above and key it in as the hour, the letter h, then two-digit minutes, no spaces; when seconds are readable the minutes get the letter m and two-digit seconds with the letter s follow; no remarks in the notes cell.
1h26
